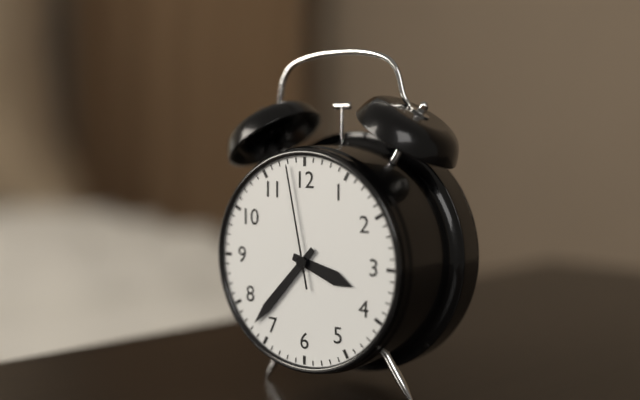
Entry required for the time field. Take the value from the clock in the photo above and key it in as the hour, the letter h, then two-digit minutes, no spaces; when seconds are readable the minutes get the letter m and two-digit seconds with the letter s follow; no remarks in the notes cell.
3h37m58s
